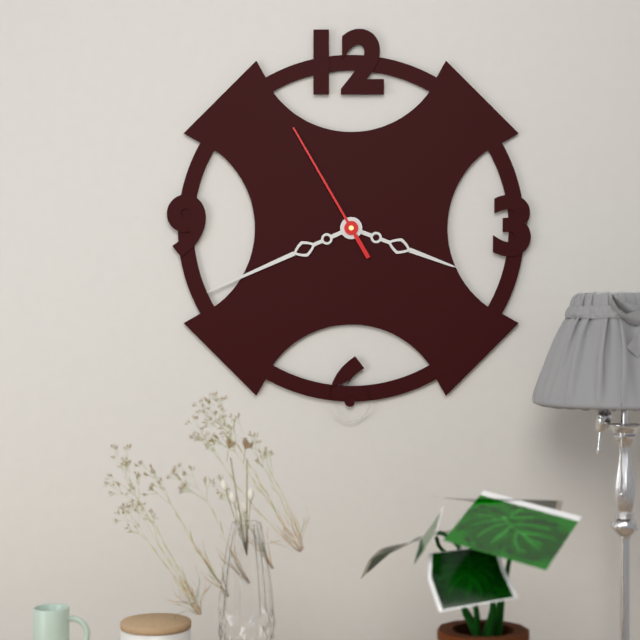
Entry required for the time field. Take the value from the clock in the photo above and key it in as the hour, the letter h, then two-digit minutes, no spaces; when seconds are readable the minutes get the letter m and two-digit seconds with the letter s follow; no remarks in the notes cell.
3h41m55s
